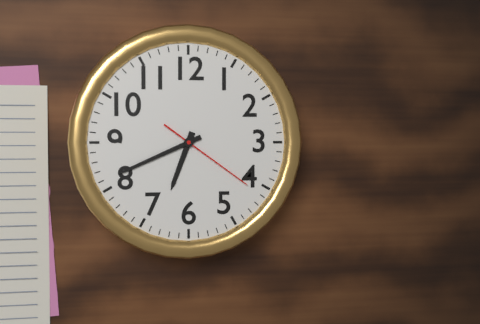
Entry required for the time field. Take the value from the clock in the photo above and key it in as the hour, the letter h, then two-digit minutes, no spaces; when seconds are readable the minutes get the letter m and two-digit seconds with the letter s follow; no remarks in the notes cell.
6h41m21s
